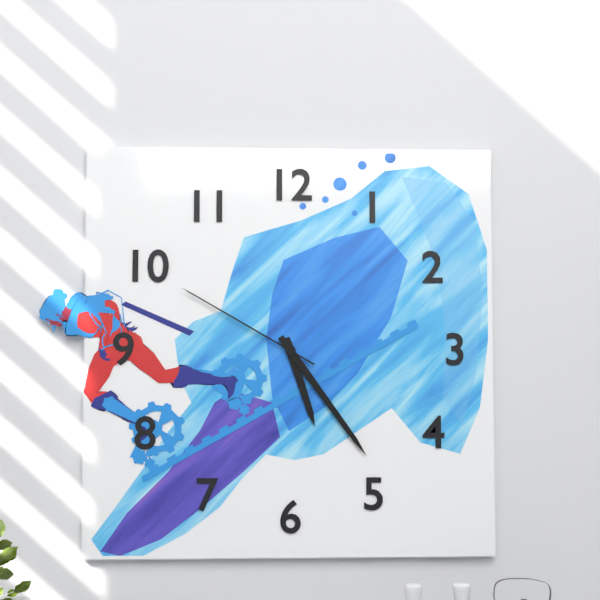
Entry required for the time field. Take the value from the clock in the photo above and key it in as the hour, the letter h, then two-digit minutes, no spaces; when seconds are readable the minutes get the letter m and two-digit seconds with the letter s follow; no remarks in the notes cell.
5h24m50s
